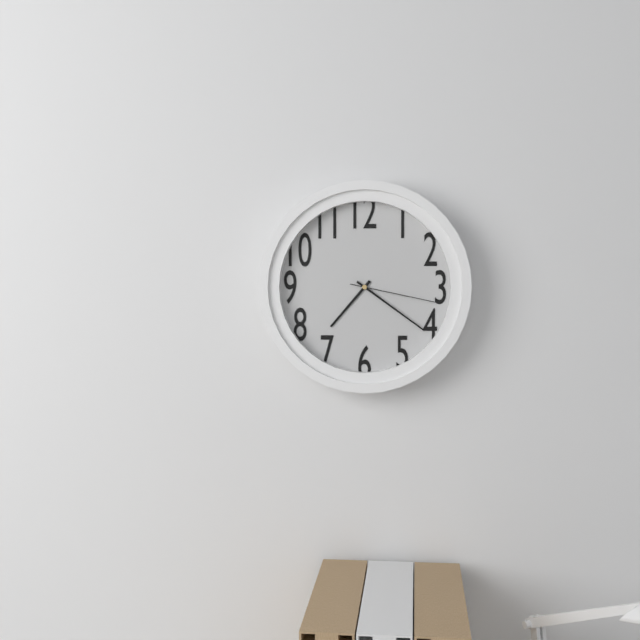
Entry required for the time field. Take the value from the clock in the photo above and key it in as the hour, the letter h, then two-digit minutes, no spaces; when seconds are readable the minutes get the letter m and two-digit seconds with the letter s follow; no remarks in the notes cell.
7h21m17s
